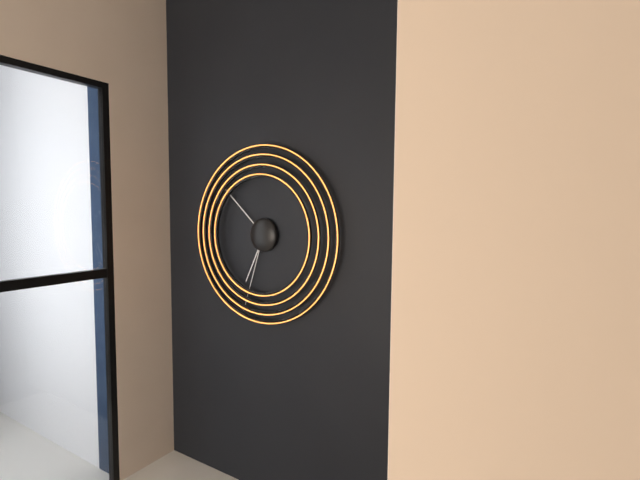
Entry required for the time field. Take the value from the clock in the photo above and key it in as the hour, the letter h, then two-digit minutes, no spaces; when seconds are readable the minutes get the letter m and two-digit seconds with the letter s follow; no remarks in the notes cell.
6h52m33s
